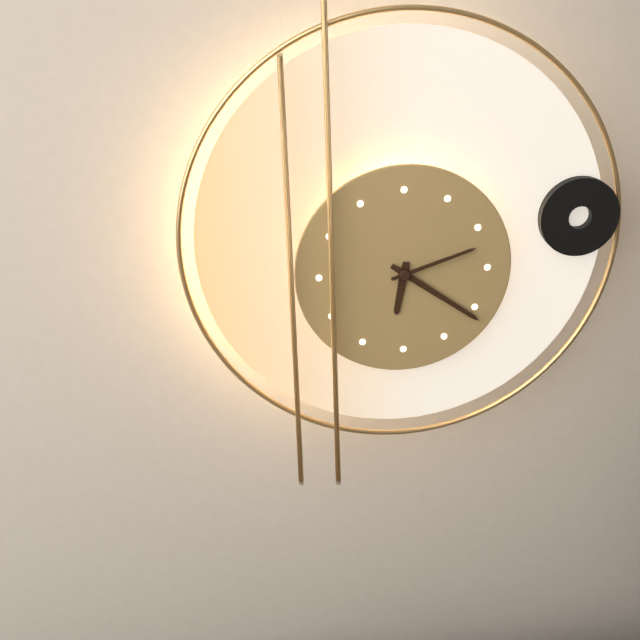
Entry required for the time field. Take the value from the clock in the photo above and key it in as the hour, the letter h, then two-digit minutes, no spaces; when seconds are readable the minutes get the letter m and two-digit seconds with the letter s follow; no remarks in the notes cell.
6h21m12s
